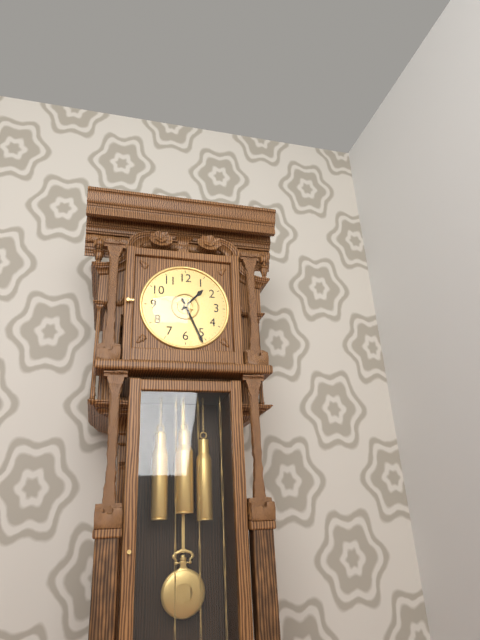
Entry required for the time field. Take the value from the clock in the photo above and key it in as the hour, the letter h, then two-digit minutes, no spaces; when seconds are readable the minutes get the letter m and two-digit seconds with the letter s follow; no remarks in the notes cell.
1h26
